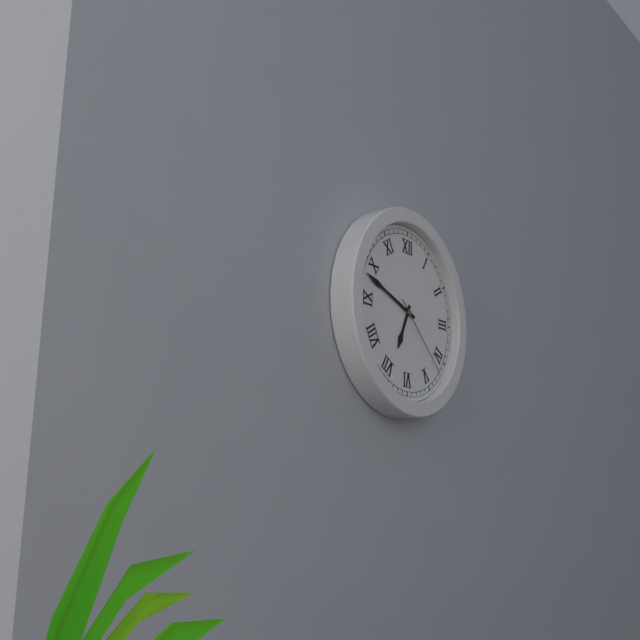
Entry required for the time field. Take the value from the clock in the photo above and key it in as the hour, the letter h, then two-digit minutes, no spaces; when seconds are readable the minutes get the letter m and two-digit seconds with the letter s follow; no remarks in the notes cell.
6h48m22s
